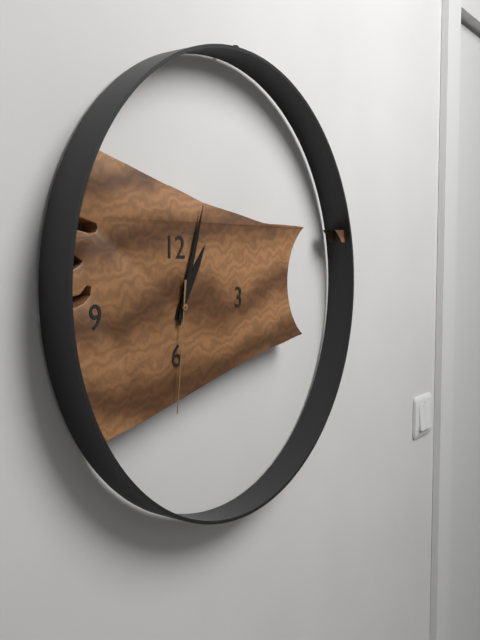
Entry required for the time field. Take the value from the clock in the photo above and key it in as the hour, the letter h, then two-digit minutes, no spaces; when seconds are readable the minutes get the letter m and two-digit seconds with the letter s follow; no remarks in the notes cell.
1h03m31s
